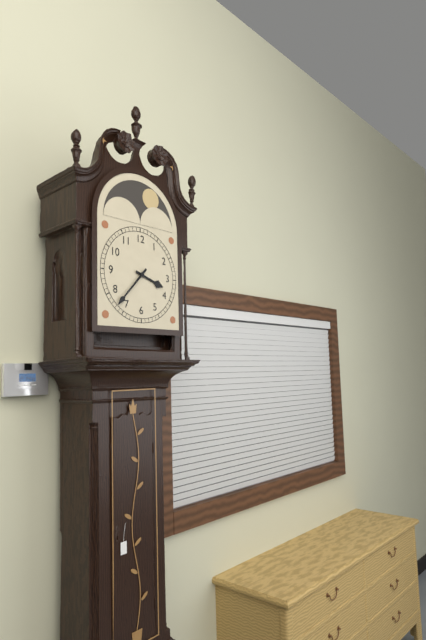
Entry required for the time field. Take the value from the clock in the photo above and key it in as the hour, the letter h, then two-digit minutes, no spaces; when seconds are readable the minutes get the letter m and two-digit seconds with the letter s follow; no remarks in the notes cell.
3h37
